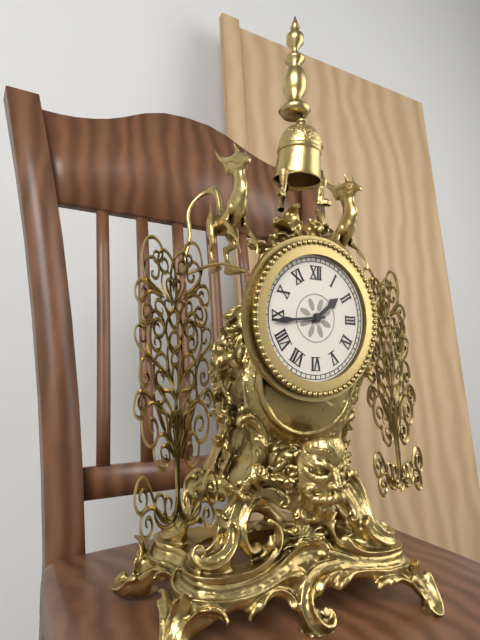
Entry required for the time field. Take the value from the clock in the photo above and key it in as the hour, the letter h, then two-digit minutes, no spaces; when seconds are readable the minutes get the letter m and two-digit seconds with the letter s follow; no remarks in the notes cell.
1h44
